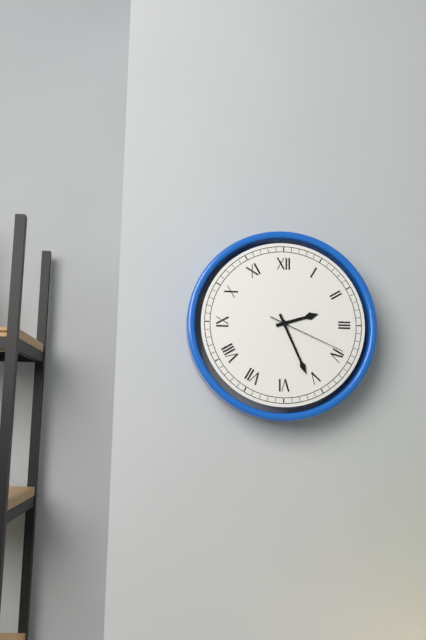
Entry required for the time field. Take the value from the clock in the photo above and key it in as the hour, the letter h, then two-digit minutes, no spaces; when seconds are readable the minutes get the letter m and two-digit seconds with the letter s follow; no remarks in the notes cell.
2h26m19s
